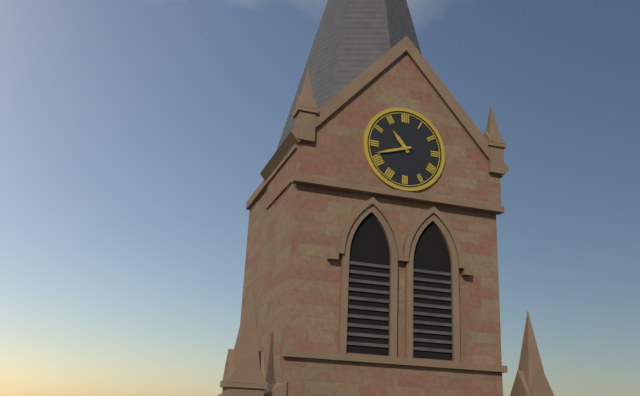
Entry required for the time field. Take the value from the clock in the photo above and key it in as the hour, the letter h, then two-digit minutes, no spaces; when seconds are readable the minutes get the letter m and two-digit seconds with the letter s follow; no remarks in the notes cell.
10h42
